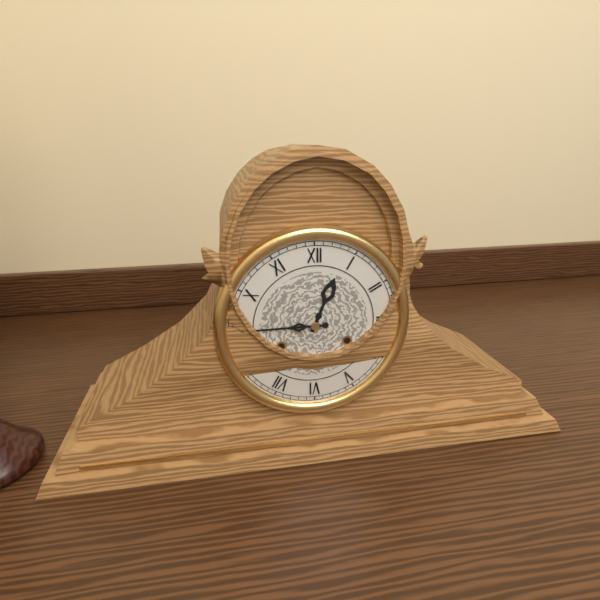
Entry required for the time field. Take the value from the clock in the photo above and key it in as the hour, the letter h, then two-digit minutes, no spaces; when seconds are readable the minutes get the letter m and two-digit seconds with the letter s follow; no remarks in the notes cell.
12h45
